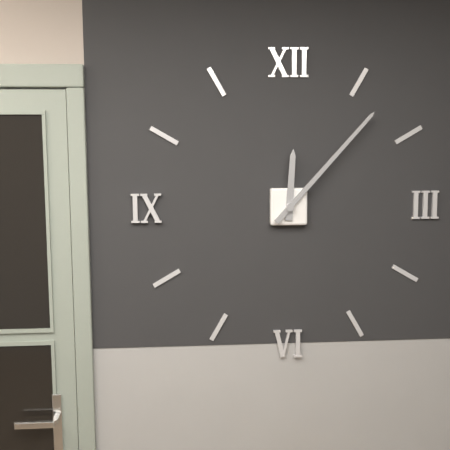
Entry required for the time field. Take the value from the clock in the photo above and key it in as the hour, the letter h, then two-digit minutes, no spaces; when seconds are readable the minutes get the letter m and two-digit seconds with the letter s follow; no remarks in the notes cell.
12h07
